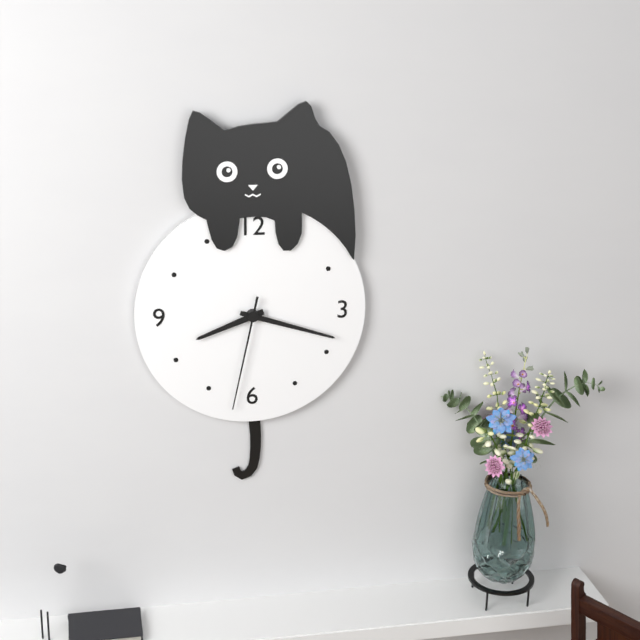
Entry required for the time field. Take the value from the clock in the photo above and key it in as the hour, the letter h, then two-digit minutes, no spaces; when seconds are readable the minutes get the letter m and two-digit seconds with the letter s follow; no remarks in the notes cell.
8h18m32s
